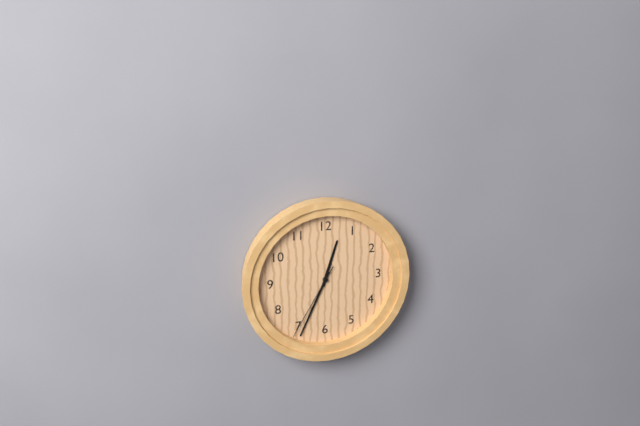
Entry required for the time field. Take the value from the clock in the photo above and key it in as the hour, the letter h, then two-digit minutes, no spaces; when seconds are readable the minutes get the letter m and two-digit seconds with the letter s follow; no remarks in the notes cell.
12h34m35s
